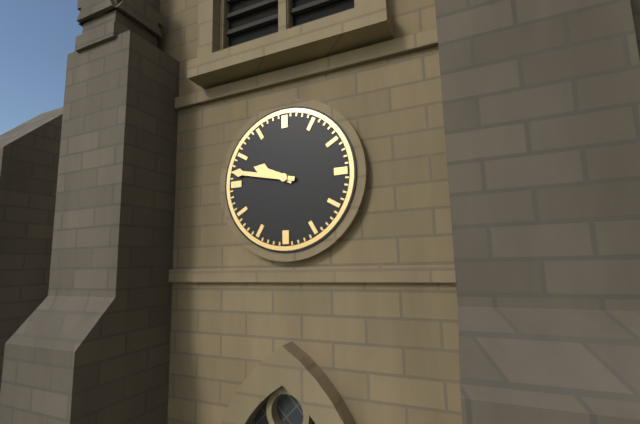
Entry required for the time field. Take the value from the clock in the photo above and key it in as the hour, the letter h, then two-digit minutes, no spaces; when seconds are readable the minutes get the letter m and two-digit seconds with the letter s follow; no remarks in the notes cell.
9h47
